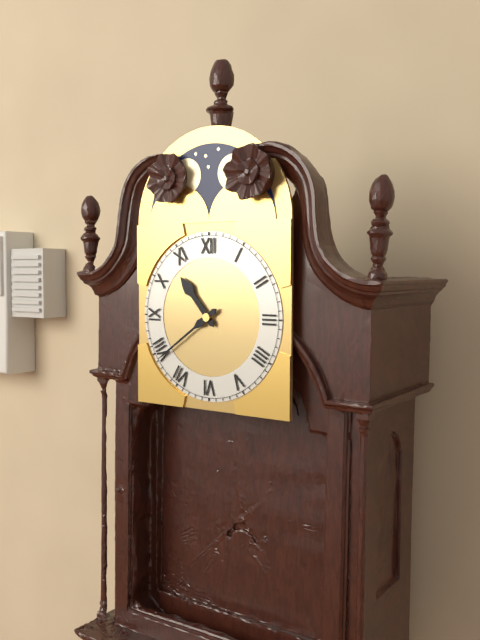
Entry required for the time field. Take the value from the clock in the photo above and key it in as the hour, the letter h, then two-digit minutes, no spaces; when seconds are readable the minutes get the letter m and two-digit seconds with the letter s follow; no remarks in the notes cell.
10h39
